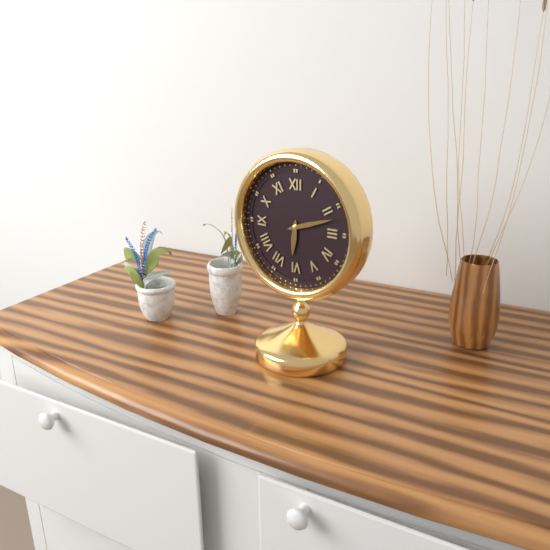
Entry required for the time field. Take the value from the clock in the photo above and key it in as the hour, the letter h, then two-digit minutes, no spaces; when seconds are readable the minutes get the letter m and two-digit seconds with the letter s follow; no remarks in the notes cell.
6h12
